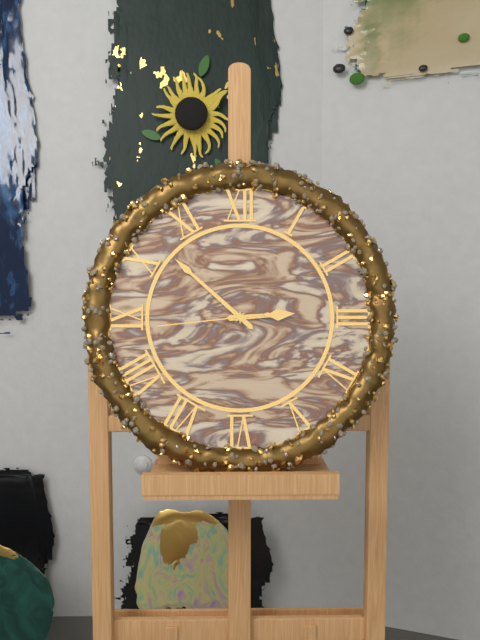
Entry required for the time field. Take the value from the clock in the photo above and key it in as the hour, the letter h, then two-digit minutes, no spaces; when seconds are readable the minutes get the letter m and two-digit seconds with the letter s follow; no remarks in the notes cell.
2h52m44s
